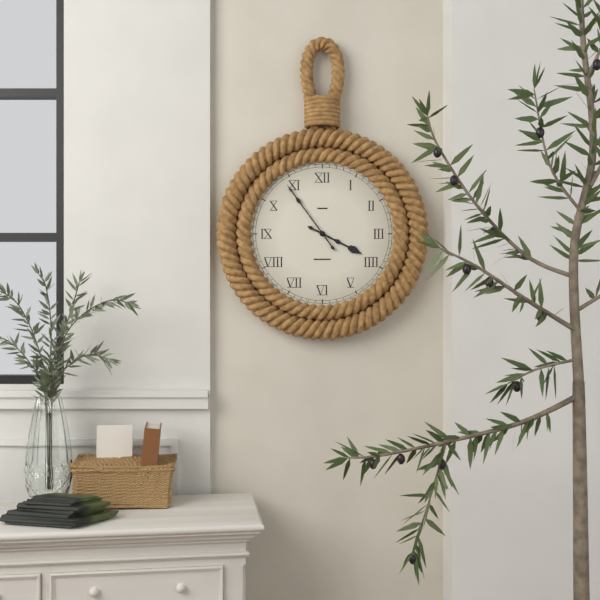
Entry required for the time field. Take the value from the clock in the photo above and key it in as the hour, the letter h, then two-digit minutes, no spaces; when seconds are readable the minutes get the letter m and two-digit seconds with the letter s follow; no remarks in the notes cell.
3h54
